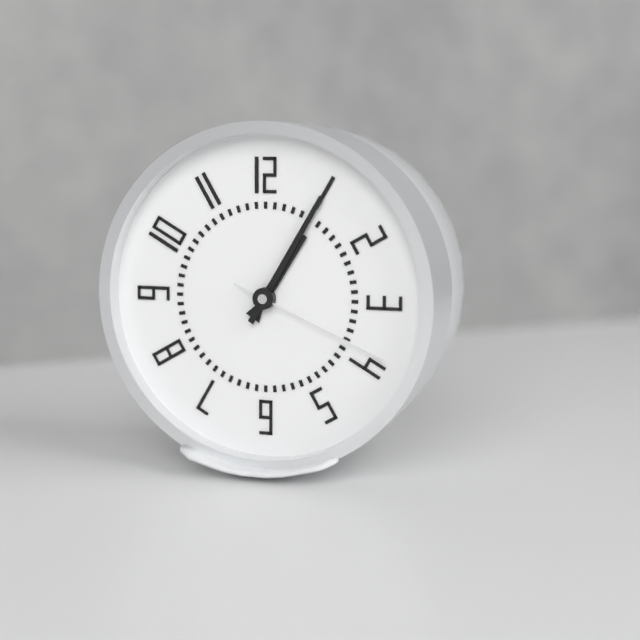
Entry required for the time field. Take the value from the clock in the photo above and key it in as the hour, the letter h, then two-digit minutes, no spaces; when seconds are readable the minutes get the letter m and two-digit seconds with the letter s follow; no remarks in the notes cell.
1h05m19s
